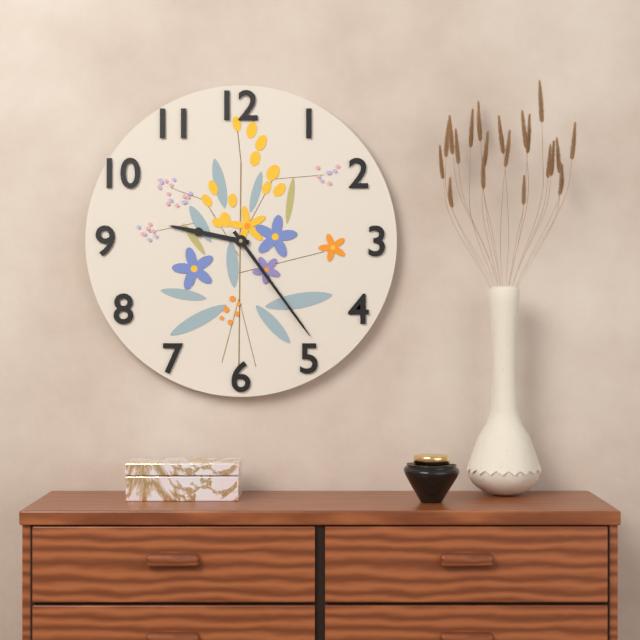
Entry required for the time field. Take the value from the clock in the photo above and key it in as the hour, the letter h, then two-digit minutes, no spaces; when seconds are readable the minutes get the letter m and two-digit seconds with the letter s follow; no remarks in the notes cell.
9h24
